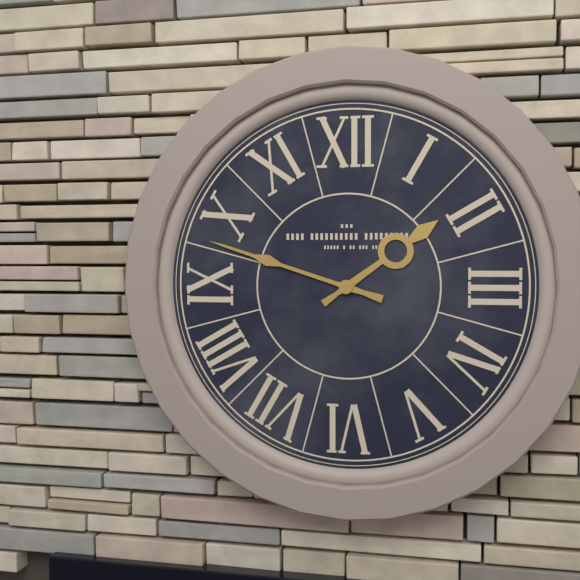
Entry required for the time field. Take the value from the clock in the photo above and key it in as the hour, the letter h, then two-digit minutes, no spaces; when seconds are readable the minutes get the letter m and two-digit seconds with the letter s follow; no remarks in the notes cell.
1h48
